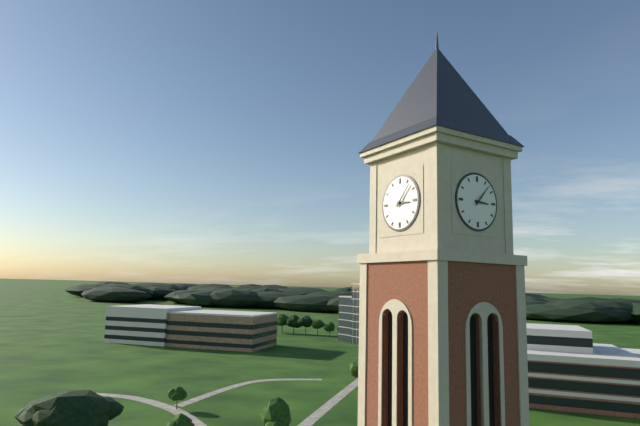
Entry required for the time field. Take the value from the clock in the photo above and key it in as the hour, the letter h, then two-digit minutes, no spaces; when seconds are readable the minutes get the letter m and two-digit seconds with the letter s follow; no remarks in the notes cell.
3h07
